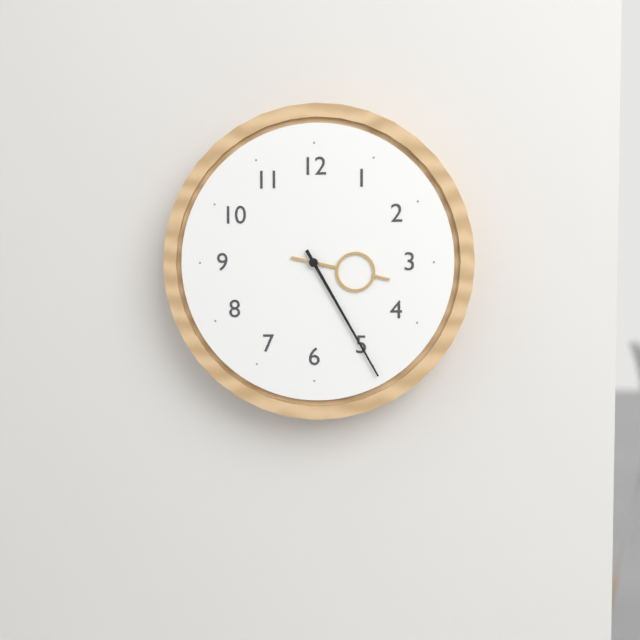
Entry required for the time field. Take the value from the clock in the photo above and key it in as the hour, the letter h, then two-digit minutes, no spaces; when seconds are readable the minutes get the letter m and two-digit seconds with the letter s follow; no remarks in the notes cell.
3h25
